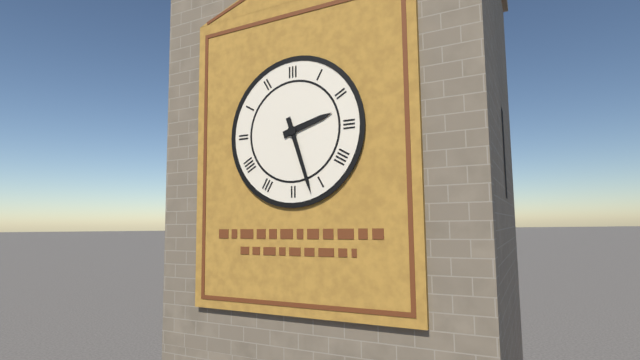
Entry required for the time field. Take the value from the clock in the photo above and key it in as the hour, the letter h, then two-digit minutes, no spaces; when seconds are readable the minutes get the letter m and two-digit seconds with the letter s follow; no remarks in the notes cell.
2h27
